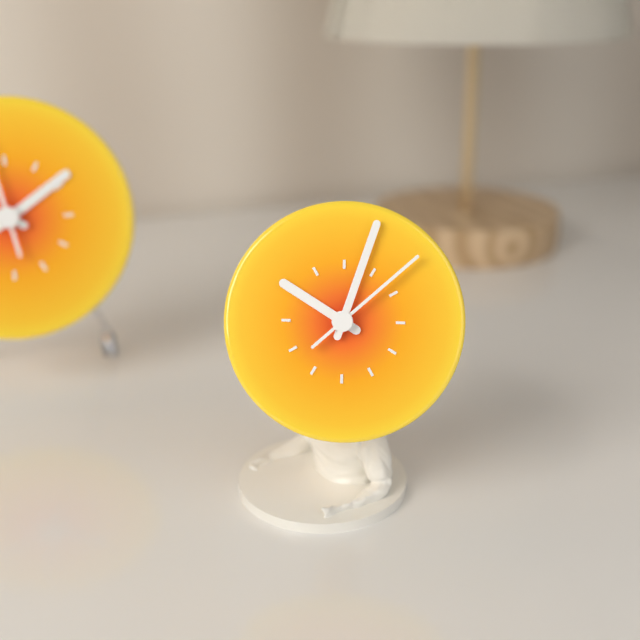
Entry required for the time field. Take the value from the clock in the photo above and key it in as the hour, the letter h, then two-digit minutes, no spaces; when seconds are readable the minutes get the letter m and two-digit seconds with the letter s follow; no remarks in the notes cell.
10h03m08s
